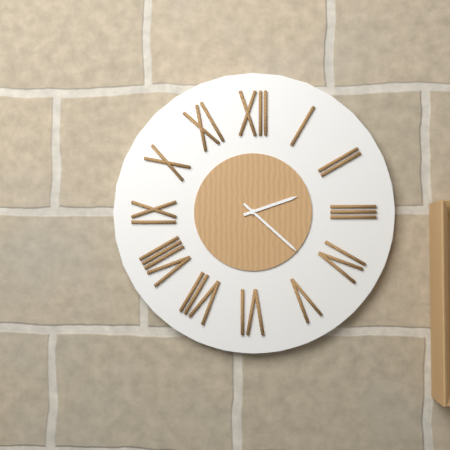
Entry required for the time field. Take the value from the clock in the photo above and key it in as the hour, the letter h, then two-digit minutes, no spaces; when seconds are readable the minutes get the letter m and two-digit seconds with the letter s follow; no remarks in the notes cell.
2h22
